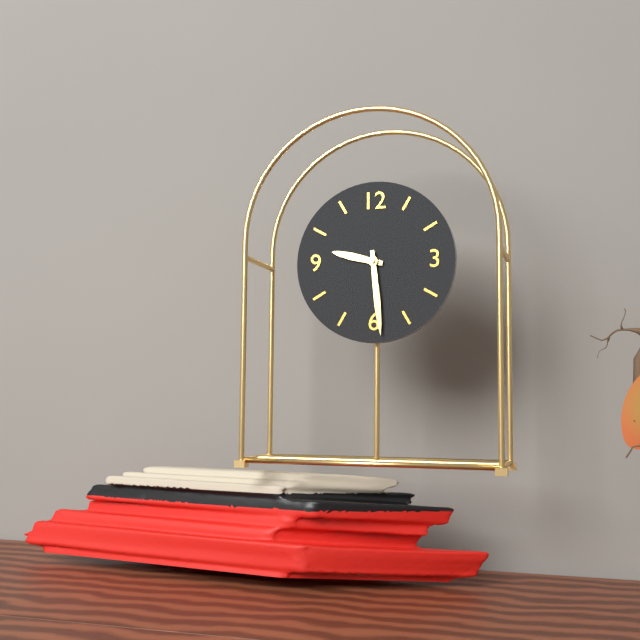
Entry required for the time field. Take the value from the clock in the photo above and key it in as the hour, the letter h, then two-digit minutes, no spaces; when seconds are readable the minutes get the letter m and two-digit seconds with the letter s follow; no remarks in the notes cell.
9h29
